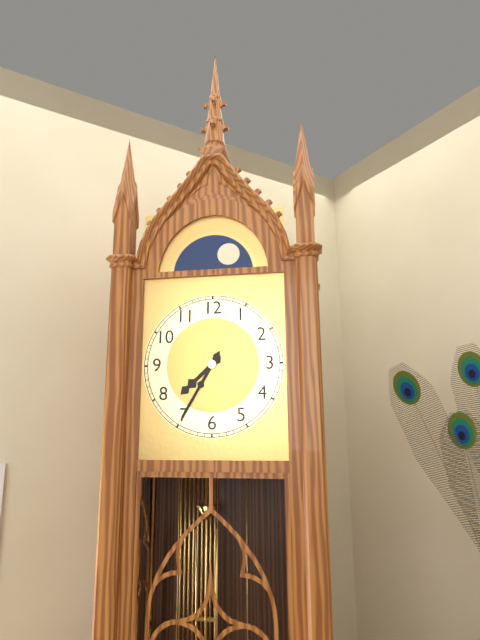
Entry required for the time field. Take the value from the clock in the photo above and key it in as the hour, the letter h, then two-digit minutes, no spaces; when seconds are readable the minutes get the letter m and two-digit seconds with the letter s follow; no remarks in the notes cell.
7h35
